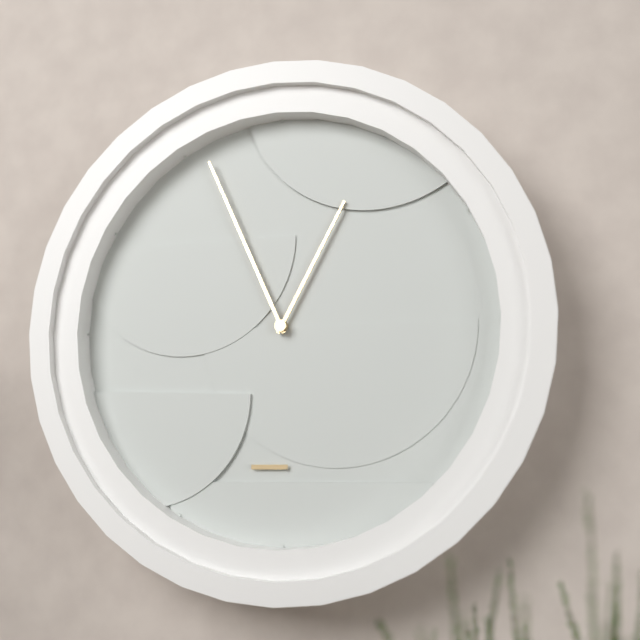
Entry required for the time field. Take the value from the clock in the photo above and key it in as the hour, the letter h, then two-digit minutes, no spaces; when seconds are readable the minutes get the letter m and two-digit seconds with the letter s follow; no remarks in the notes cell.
12h56
